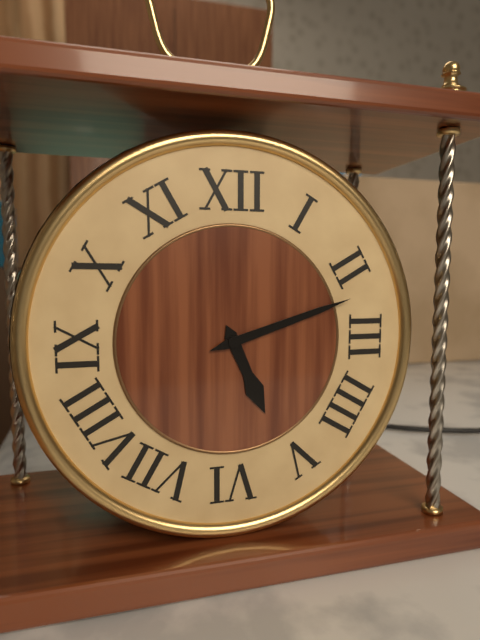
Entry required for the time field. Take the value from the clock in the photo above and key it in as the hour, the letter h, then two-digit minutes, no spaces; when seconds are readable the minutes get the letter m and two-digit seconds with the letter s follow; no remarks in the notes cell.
5h12
